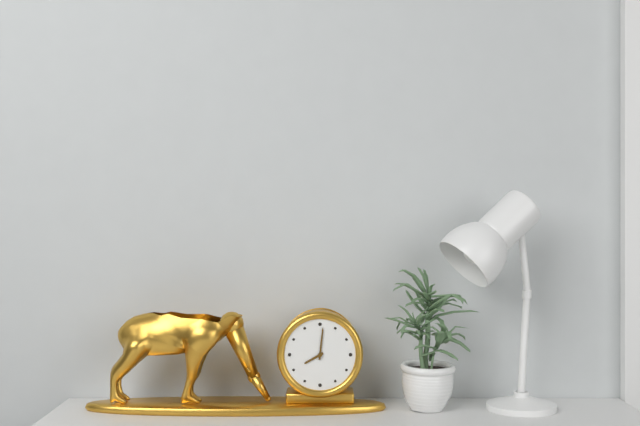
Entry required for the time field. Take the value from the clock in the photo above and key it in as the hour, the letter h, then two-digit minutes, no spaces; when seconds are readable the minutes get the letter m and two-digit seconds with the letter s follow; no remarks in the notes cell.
8h01
